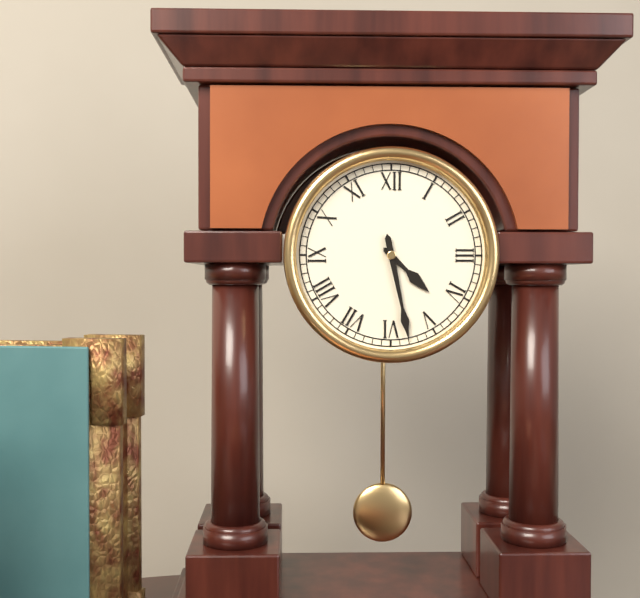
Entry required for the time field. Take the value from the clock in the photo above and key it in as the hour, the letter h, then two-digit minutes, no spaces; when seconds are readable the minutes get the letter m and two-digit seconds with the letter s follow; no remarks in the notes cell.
4h28
